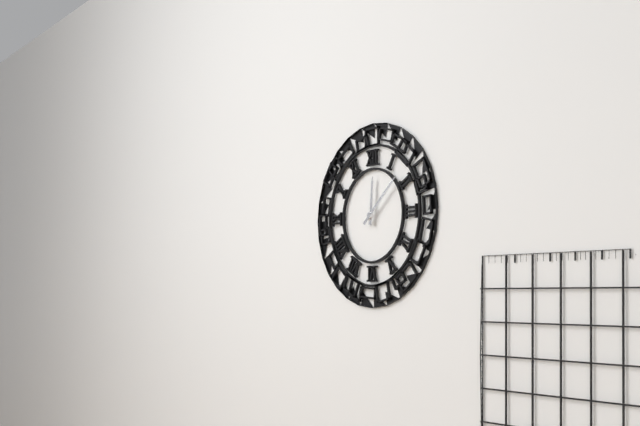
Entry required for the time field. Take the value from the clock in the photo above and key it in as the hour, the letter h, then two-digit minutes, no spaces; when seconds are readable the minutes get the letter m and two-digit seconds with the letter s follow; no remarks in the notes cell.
12h08
